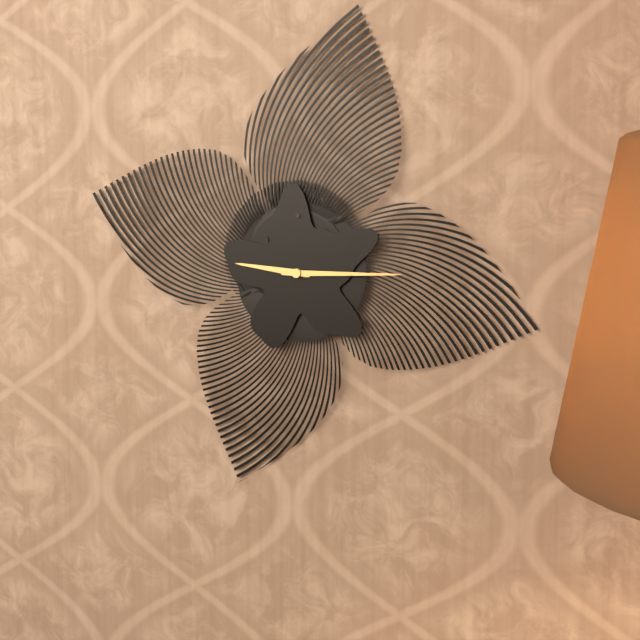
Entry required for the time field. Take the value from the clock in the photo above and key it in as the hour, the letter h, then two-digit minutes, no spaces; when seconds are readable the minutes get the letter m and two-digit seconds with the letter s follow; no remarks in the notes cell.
9h15
